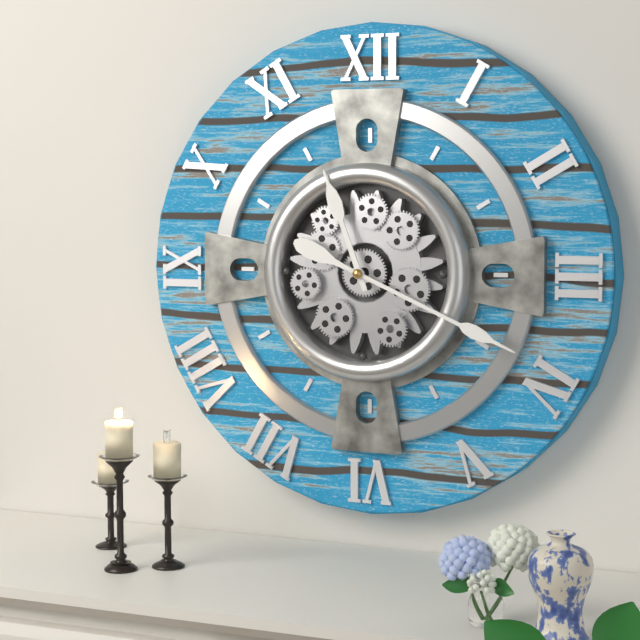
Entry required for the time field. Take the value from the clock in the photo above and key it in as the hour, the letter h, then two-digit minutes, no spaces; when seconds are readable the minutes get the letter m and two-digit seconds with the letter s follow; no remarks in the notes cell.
11h19
